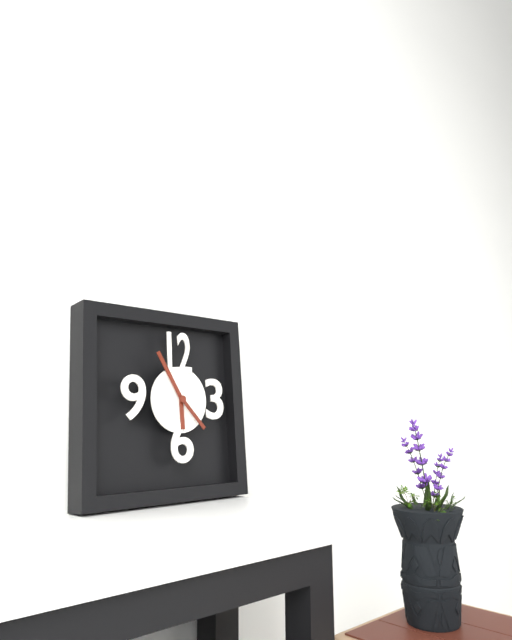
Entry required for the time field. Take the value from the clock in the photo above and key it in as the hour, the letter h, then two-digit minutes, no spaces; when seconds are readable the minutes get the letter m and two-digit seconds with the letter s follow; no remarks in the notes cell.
5h55
